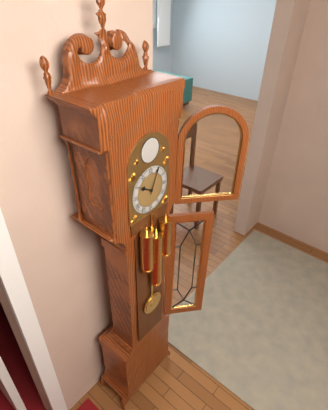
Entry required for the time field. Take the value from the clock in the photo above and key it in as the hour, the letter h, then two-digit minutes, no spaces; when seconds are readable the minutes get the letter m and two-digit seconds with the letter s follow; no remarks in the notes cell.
10h04
